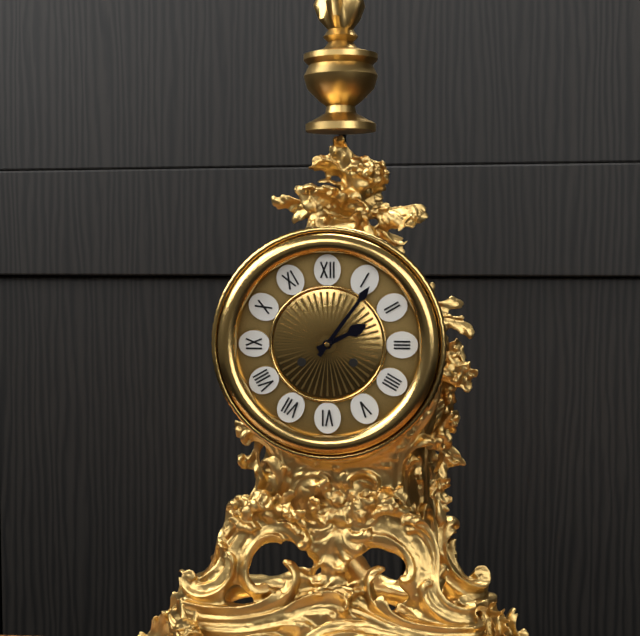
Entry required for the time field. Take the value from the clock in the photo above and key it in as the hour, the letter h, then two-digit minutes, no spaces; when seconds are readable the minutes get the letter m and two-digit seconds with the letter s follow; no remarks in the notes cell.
2h06
